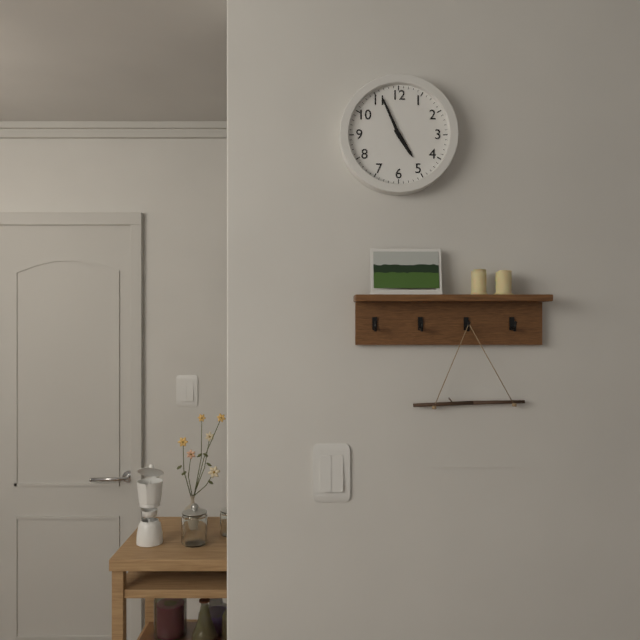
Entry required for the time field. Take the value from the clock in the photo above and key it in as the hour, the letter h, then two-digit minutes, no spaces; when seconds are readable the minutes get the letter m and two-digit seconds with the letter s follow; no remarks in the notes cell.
4h56
